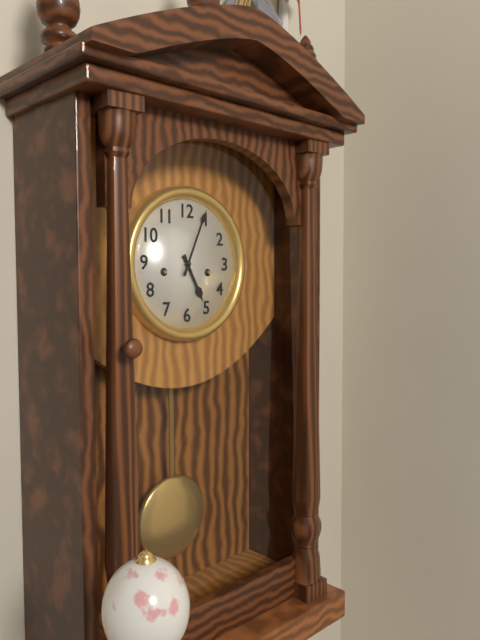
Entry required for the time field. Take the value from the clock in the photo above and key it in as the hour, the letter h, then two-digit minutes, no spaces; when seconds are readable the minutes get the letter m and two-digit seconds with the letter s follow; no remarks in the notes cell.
5h04
